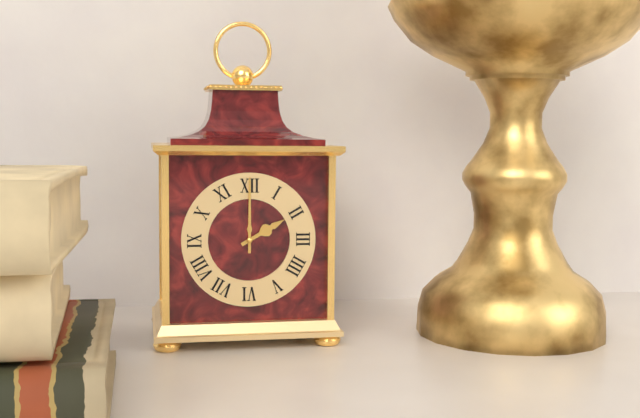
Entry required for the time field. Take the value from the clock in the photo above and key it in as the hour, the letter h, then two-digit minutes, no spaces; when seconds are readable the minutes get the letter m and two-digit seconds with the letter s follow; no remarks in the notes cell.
2h00
